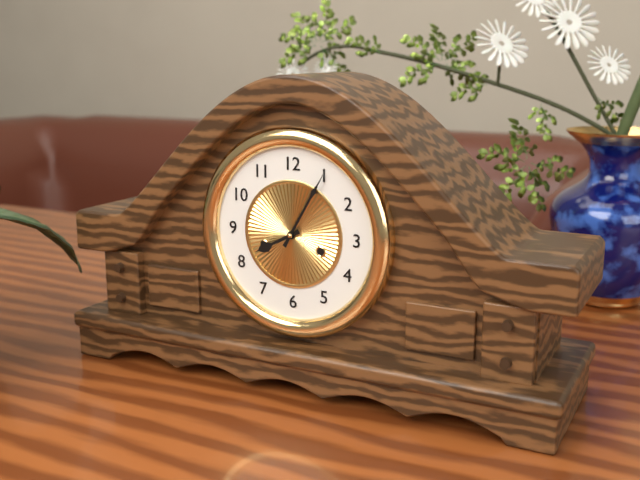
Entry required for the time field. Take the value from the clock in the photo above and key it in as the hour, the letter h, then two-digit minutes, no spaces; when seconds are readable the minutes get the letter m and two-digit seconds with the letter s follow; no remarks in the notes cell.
8h05
